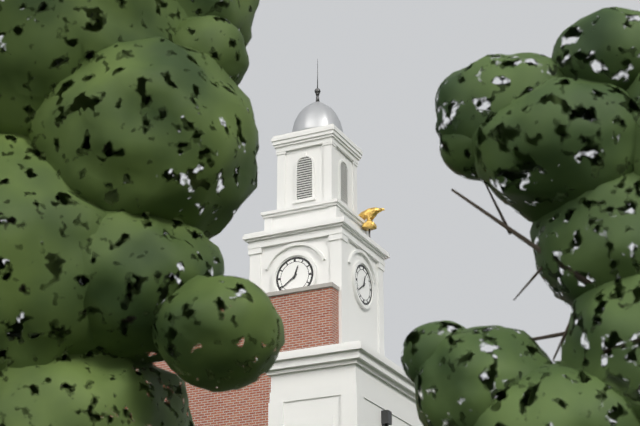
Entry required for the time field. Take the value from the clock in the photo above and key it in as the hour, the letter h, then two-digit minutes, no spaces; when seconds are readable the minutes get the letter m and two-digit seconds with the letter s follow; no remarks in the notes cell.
12h39
